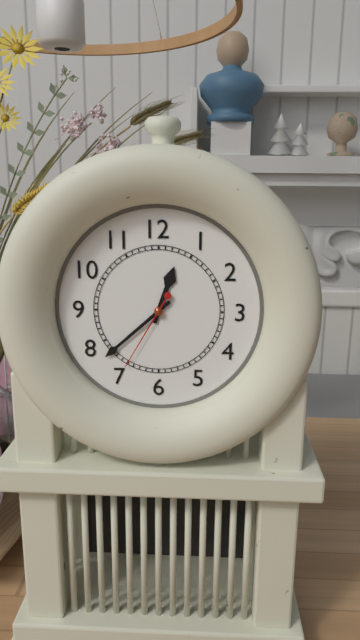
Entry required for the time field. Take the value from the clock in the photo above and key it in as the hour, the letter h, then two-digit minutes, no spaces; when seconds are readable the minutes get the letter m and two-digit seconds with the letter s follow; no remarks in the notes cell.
12h38m35s
